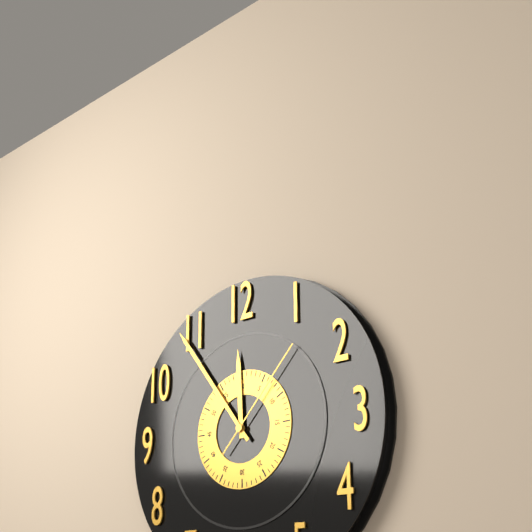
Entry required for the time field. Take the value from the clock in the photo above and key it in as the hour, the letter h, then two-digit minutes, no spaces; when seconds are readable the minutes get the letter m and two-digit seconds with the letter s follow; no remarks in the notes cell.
11h54m07s
